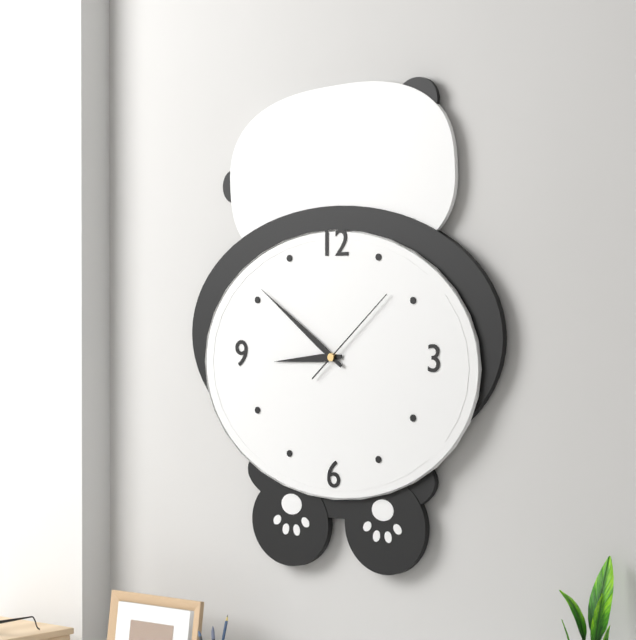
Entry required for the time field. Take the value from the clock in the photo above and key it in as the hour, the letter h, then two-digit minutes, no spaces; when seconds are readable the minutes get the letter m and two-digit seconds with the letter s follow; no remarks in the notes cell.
8h51m08s
